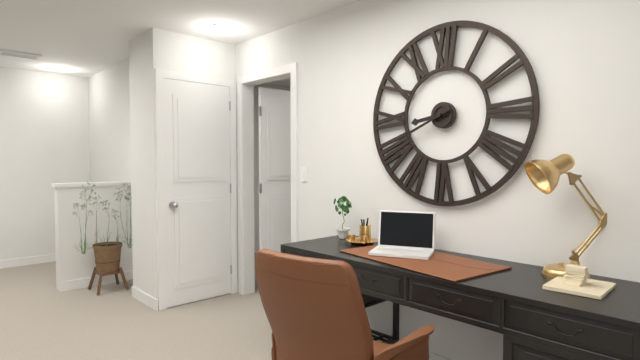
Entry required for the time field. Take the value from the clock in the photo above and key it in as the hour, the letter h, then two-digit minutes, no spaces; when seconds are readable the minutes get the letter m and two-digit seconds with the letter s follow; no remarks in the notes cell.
8h41
